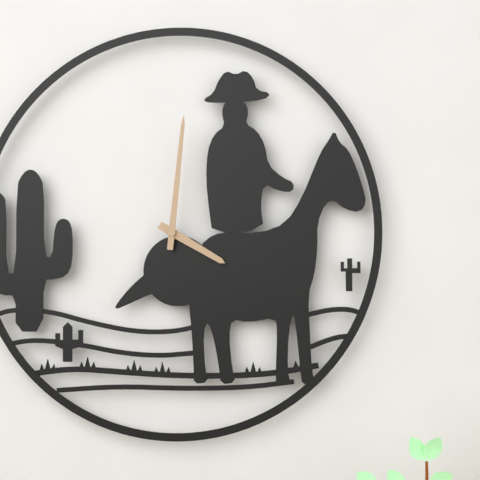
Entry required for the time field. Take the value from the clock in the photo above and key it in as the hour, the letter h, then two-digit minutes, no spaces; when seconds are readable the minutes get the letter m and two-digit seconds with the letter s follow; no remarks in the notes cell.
4h01
